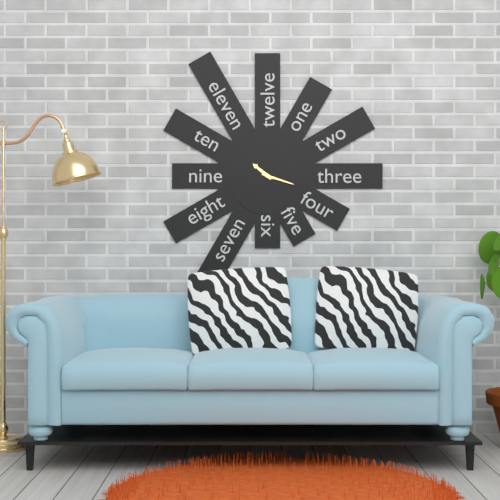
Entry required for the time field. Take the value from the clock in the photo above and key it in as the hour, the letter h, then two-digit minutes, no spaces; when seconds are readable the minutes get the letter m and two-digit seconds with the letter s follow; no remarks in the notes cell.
10h18
